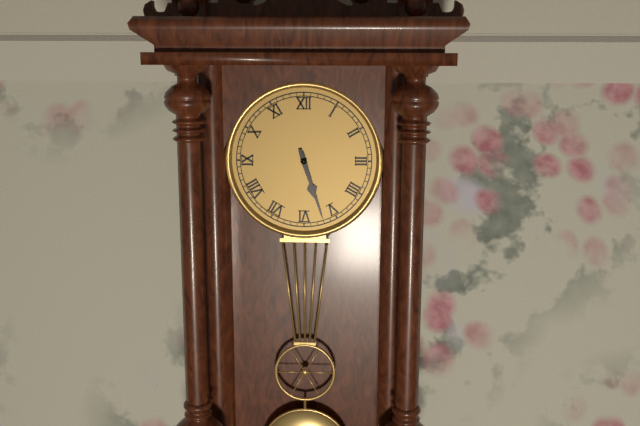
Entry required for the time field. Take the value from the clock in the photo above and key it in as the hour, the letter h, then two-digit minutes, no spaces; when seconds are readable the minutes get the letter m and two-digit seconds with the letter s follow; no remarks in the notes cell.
5h27
